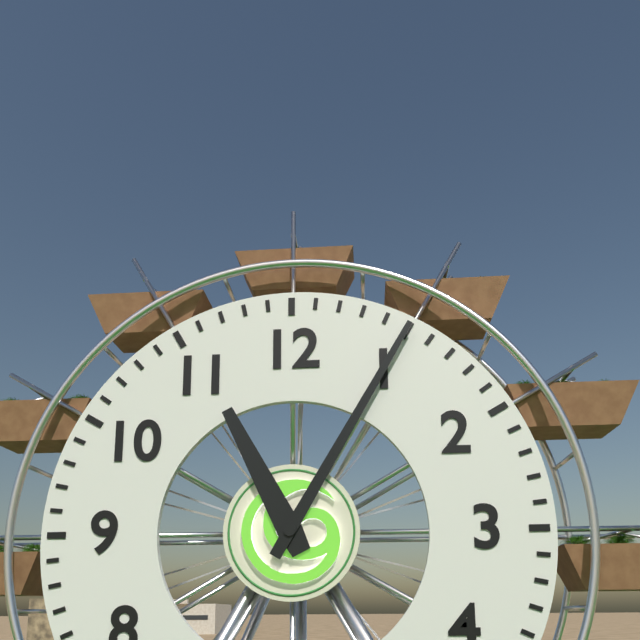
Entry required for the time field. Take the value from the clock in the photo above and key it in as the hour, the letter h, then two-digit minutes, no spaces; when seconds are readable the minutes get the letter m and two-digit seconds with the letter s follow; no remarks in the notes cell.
11h05
